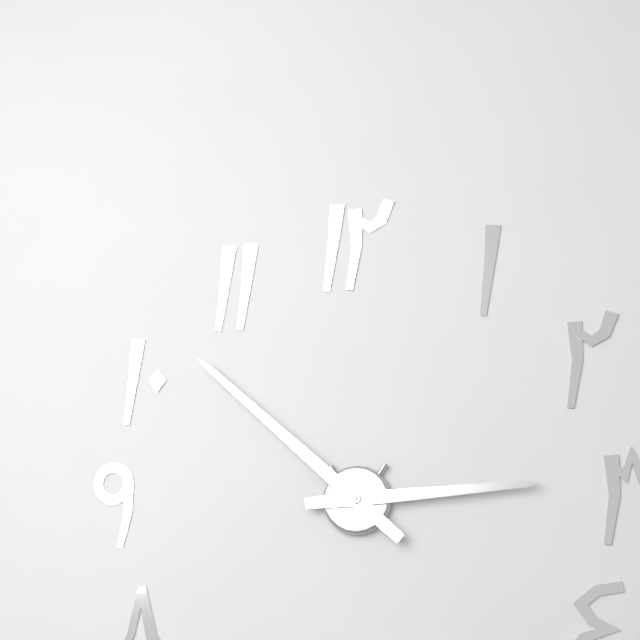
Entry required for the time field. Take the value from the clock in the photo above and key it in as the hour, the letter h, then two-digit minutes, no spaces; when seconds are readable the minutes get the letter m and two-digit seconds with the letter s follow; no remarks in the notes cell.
2h52
